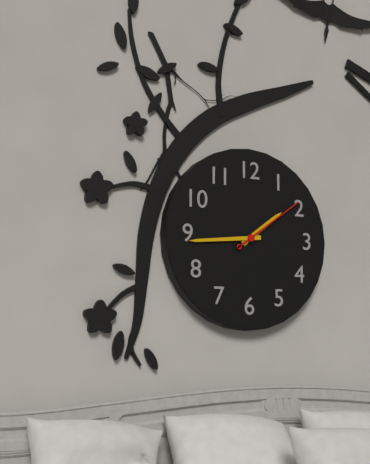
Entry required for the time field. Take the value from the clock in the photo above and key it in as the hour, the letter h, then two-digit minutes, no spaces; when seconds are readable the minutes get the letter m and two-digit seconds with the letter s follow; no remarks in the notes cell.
1h44m09s
